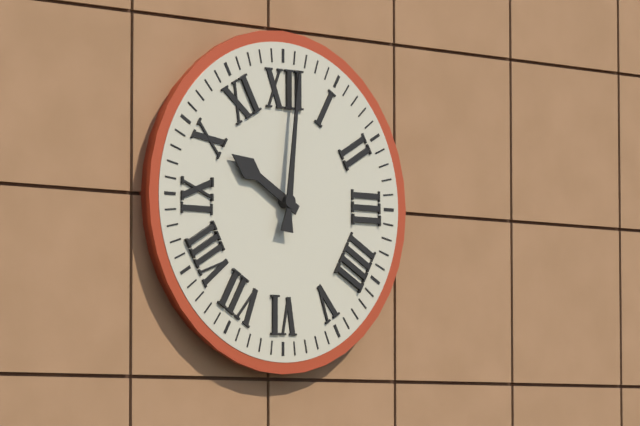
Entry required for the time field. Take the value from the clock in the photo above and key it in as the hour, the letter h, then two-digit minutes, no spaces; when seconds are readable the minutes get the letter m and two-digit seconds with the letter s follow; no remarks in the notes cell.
10h01
